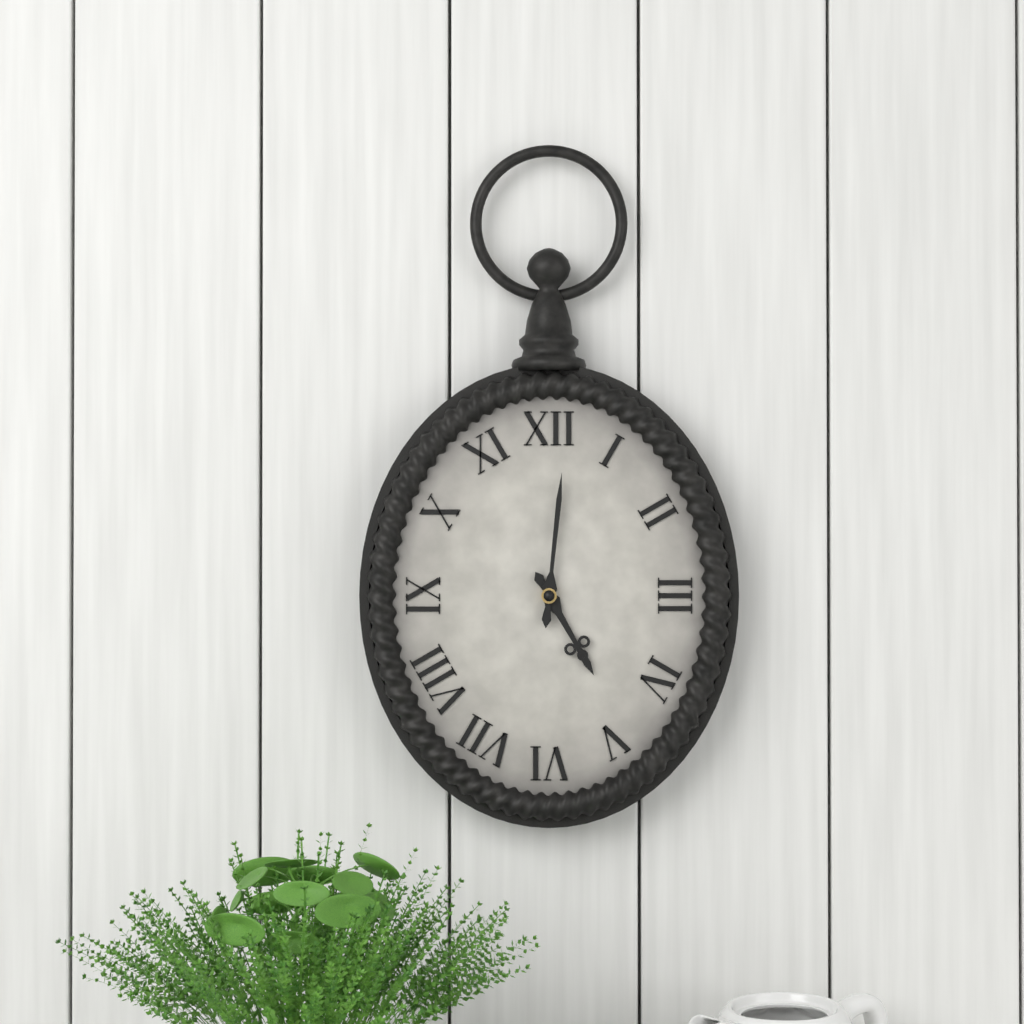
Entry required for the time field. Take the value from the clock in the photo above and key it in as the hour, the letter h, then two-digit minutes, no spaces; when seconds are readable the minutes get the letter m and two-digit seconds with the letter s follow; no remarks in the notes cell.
5h01
